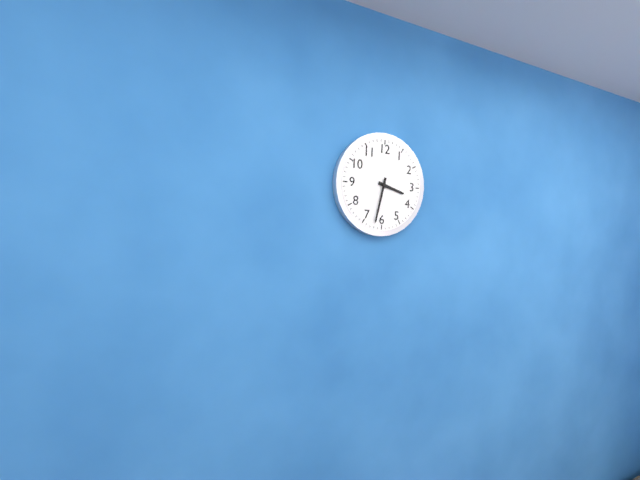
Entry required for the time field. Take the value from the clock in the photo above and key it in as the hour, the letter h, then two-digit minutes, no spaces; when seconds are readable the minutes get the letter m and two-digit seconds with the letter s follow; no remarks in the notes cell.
3h32
